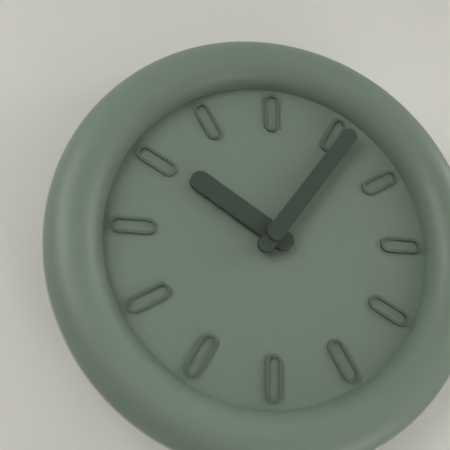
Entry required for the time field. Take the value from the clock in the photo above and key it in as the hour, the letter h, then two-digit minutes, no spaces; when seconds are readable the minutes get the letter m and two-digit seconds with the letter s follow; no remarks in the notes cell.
10h06
